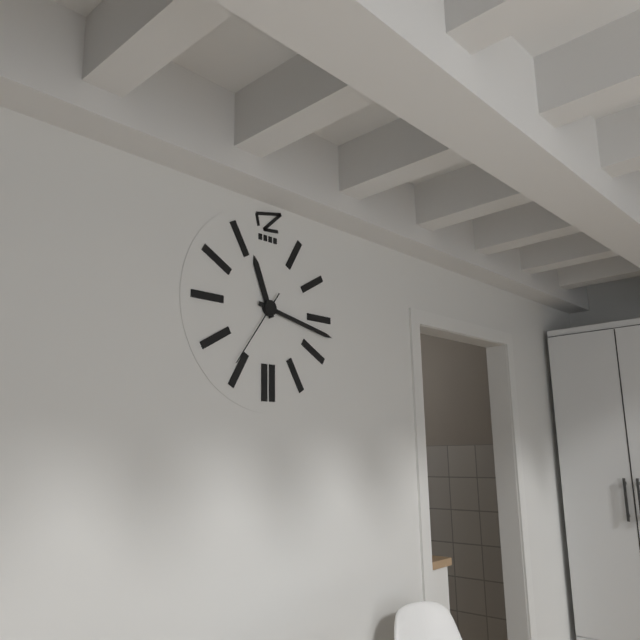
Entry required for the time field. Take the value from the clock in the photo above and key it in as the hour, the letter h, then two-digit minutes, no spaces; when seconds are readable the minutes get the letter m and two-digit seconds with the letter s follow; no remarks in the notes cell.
11h17m36s
